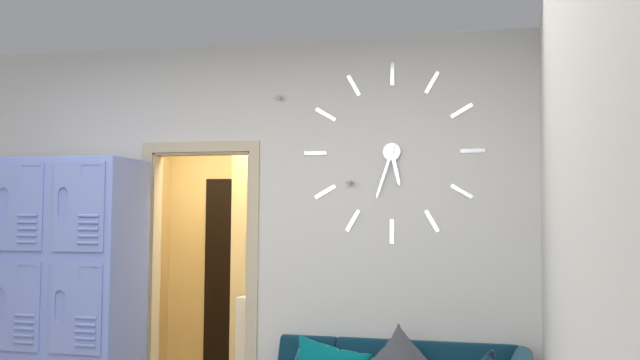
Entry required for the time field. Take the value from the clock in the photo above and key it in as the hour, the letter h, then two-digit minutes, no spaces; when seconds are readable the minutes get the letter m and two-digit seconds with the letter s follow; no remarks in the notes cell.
5h33
